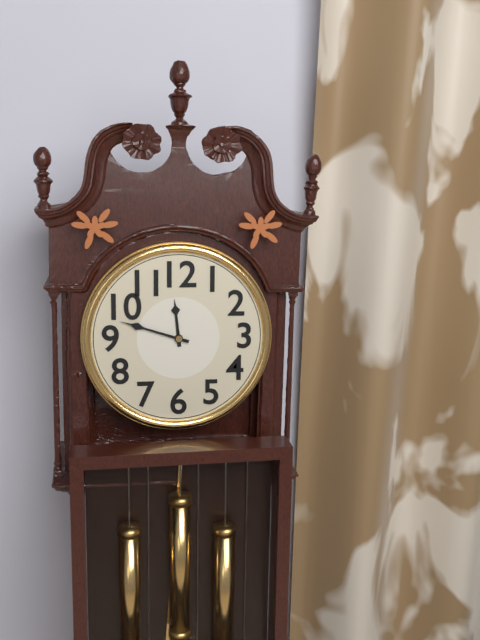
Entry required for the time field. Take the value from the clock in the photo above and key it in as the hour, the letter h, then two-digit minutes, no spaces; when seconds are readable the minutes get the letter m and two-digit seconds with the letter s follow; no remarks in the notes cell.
11h48
